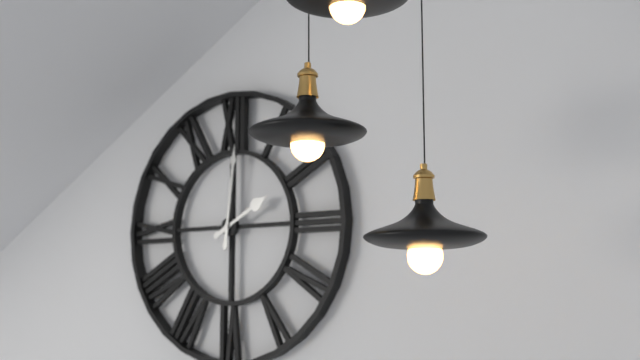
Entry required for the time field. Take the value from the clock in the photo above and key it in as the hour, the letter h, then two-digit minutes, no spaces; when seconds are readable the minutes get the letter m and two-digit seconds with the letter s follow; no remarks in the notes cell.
2h01
